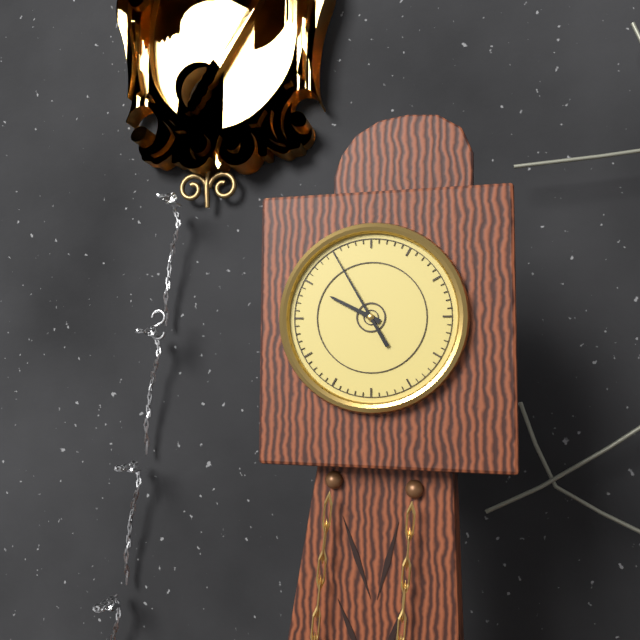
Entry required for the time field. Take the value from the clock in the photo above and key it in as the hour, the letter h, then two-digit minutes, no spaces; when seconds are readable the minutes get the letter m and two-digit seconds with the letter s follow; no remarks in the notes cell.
9h55
